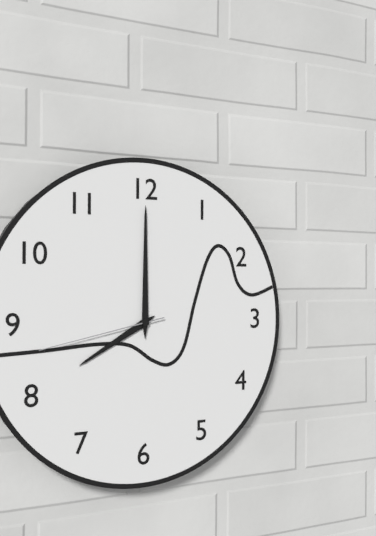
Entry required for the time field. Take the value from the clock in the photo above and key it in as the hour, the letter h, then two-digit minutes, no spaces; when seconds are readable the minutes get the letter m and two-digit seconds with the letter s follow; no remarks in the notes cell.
8h00m43s
